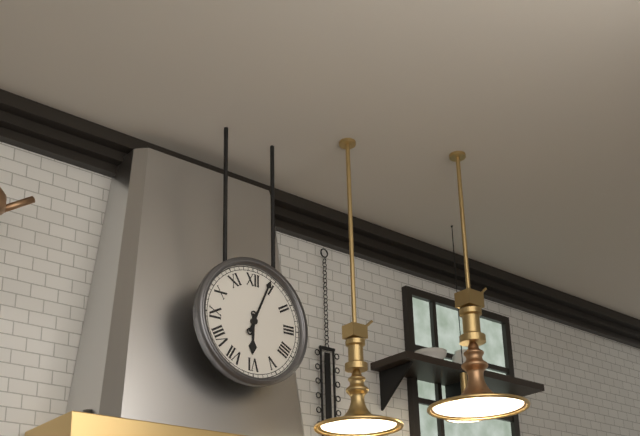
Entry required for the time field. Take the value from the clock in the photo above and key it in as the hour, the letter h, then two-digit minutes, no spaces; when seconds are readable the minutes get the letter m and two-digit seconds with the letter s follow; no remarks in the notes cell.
6h04
